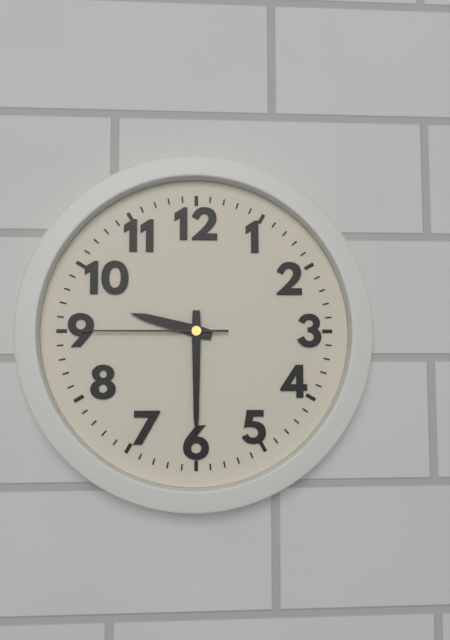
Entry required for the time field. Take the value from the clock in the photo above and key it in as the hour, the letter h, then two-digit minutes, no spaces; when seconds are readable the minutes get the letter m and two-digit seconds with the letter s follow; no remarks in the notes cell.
9h30m45s
